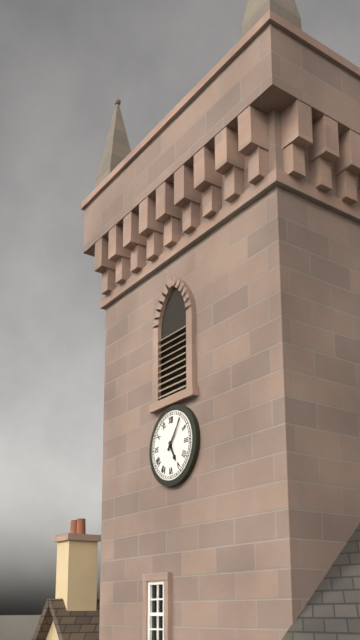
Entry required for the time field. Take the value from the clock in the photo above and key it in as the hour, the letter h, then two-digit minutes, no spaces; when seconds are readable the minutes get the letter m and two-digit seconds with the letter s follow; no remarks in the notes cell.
5h06
